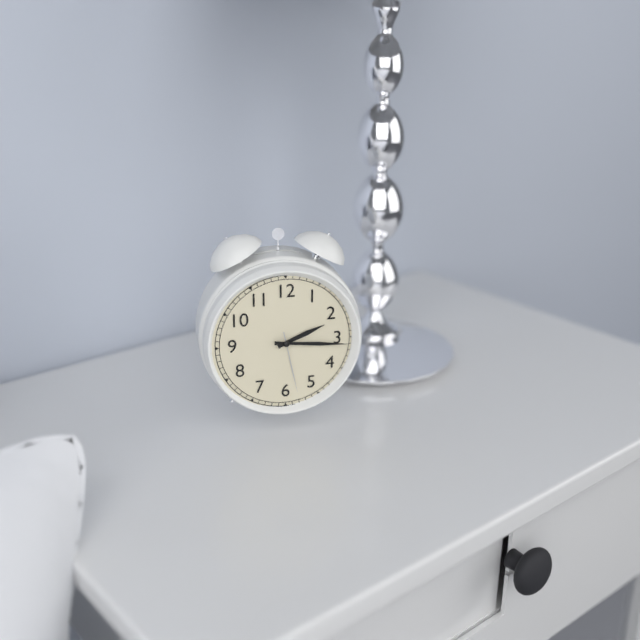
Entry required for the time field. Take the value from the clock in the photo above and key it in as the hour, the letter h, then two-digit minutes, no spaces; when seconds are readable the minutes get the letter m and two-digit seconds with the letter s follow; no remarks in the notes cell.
2h16m28s
